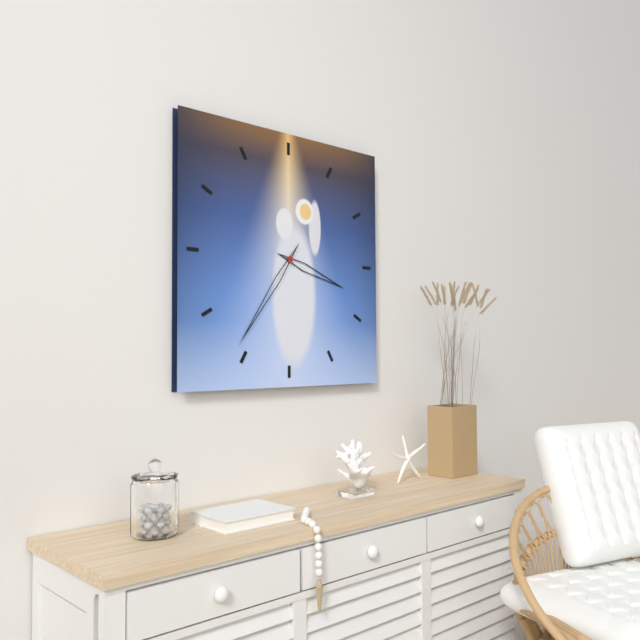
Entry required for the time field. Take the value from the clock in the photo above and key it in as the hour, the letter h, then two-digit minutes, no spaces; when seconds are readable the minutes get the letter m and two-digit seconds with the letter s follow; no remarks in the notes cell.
3h36
